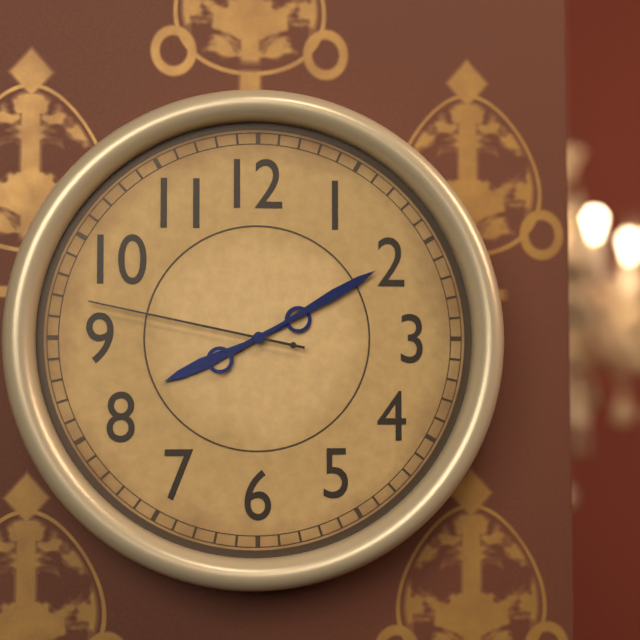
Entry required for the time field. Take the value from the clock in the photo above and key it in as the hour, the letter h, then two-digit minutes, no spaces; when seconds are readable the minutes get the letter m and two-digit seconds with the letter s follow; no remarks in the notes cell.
8h10m47s
